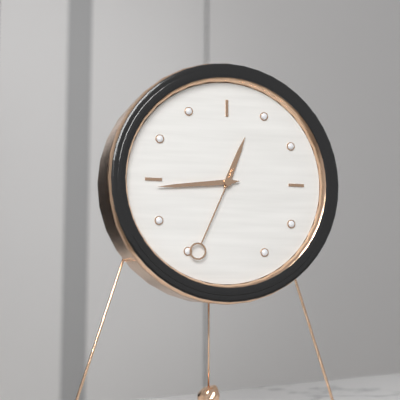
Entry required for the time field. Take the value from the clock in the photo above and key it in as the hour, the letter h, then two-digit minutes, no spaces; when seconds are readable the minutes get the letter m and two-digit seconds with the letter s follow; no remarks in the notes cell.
12h44m34s
